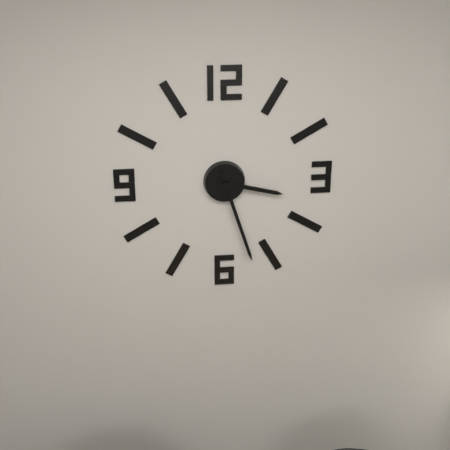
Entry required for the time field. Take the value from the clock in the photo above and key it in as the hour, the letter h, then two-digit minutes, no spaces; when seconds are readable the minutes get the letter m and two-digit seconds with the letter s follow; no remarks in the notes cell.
3h27
